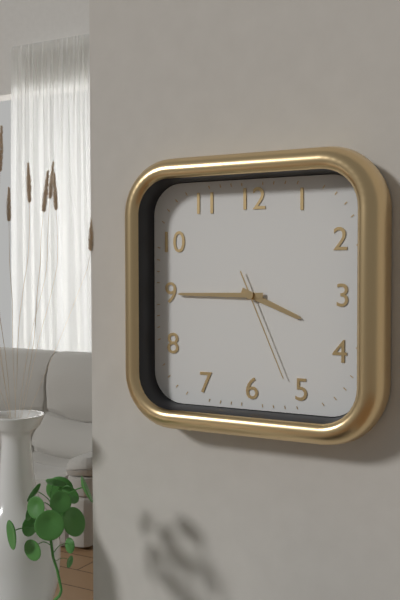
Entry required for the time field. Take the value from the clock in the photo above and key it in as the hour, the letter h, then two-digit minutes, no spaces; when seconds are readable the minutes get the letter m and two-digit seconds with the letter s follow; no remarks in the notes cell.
3h45m26s
